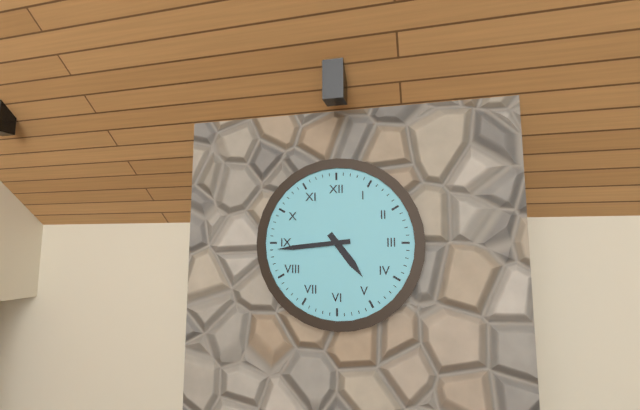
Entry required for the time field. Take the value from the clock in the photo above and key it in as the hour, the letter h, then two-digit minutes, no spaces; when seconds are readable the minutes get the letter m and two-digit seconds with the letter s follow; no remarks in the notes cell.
4h44
